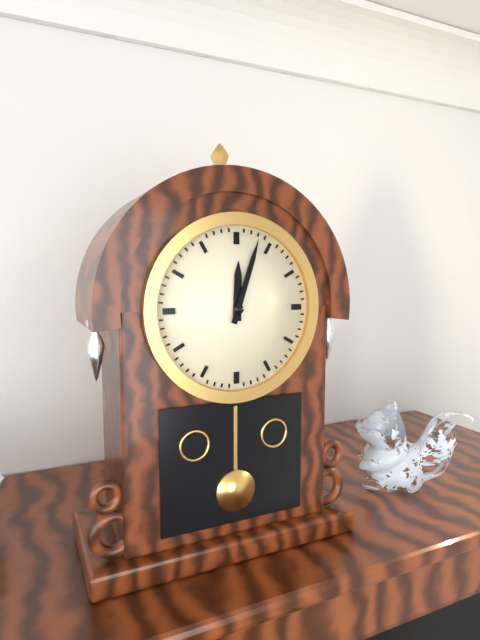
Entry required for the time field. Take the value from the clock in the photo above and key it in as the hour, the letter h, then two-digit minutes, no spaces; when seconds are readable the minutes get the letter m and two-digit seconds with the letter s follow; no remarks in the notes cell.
12h03
